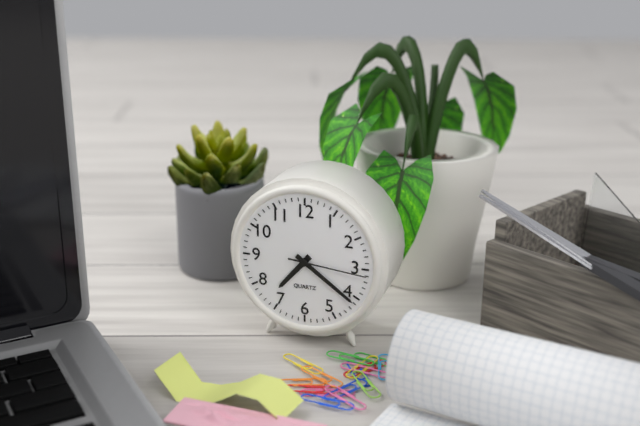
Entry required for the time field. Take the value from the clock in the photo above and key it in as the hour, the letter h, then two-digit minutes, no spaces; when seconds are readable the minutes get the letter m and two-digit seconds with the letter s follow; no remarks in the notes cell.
7h21m16s
